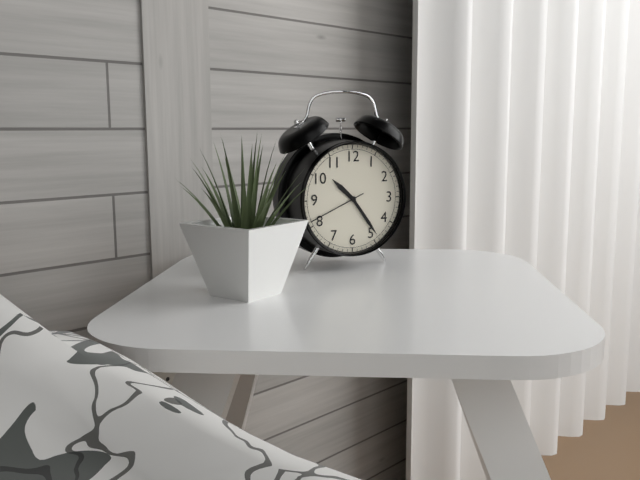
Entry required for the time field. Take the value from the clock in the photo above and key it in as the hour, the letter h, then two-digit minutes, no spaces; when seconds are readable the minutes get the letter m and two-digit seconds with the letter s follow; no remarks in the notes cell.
10h24m41s
